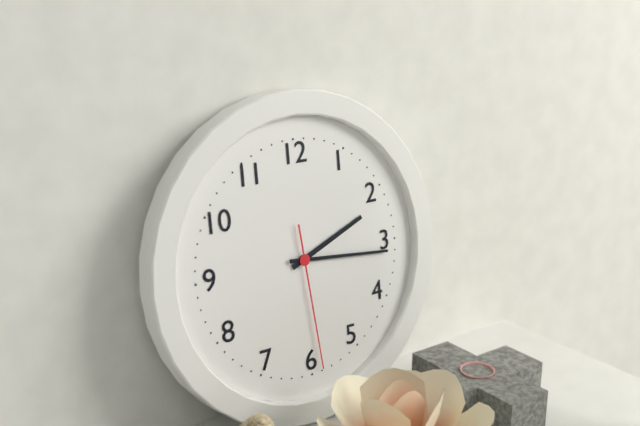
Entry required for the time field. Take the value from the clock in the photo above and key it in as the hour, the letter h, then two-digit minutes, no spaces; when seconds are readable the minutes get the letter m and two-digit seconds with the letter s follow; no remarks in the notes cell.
2h16m29s
